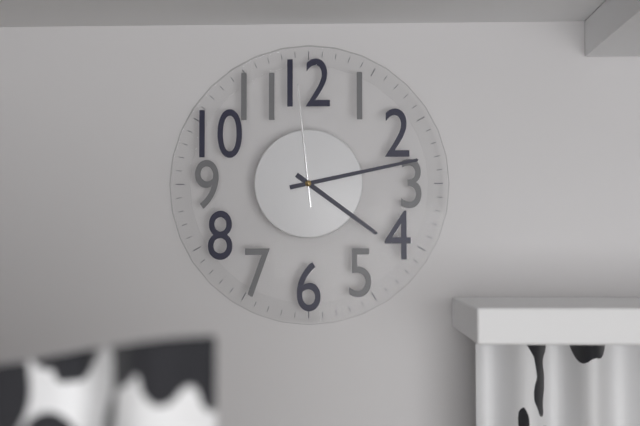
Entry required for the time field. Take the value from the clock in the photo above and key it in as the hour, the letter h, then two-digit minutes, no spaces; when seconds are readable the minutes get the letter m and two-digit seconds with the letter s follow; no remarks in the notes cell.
4h13m59s
